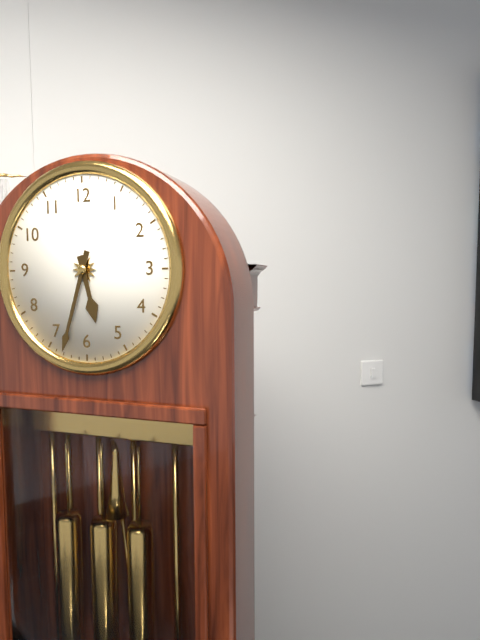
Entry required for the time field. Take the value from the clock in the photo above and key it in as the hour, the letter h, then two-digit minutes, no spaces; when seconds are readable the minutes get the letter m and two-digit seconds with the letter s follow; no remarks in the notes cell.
5h33
